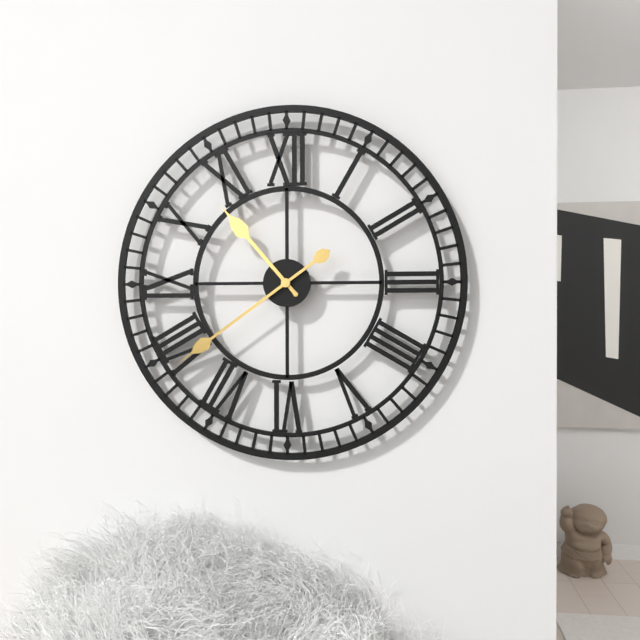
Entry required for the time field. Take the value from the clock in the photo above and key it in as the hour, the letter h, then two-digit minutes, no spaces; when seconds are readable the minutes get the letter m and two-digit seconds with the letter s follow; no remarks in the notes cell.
10h39
